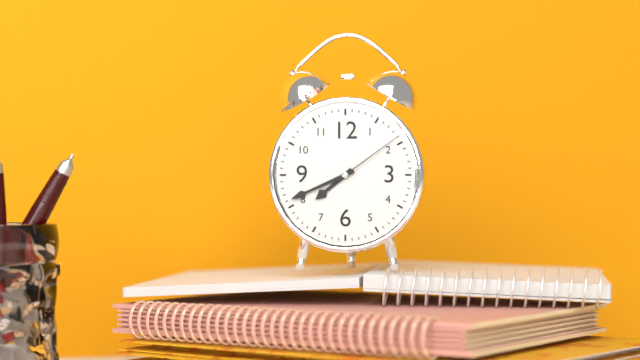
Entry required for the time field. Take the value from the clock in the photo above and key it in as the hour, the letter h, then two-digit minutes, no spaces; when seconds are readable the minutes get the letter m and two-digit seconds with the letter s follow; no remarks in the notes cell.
7h41m09s
